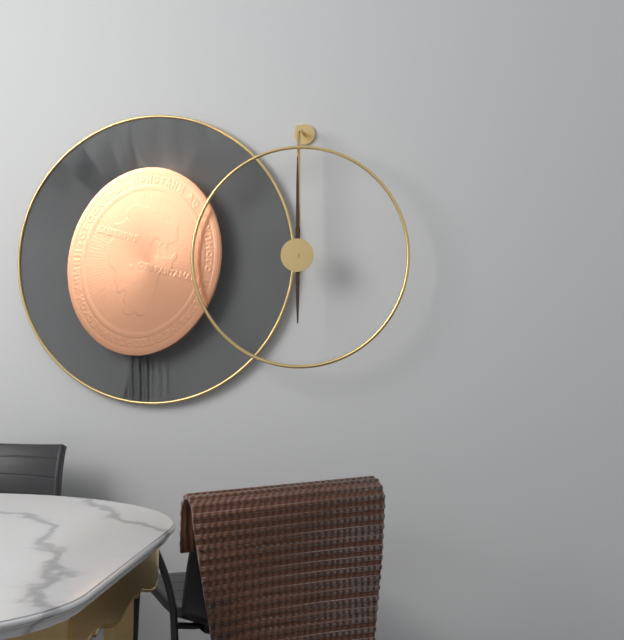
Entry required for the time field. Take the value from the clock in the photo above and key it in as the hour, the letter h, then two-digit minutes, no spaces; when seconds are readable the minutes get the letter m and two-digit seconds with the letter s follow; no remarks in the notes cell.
6h00
